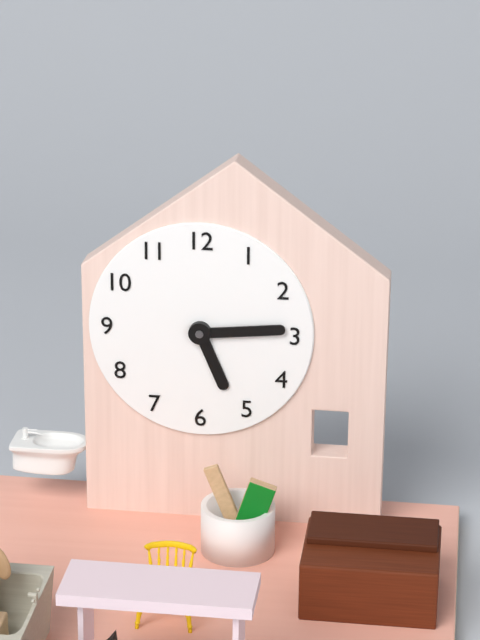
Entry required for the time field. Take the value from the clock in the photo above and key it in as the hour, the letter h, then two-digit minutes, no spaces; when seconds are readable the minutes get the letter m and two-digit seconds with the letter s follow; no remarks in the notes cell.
5h14
